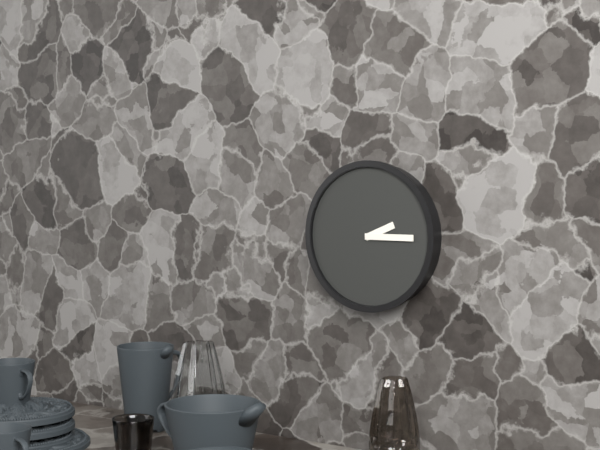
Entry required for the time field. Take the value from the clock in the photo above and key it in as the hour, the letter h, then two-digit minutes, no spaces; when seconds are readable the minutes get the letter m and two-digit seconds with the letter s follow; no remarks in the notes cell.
2h15
